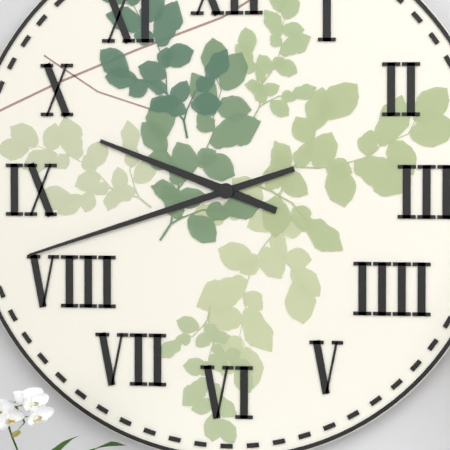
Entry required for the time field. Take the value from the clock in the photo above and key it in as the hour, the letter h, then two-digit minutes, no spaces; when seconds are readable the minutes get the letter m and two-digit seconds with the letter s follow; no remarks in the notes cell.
9h42
